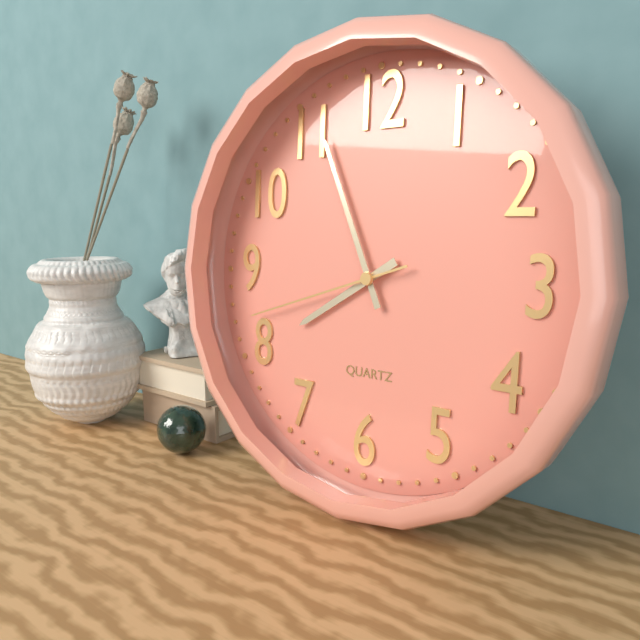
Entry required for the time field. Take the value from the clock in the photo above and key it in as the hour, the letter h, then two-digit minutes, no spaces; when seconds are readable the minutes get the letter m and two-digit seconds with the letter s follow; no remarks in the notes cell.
7h56m42s
